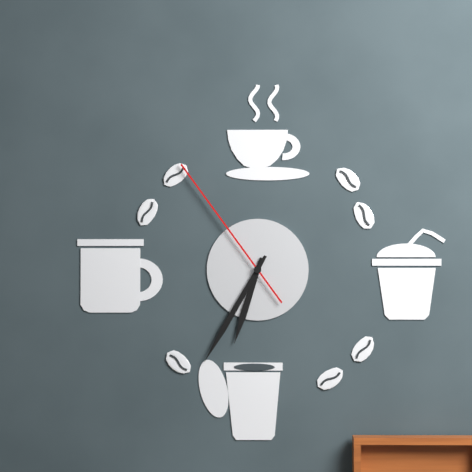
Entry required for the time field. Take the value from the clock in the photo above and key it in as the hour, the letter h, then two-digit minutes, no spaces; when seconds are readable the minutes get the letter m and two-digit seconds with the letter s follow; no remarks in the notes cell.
6h35m54s
